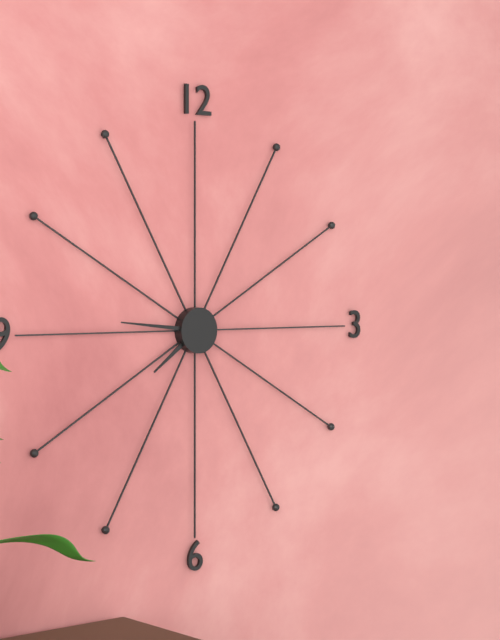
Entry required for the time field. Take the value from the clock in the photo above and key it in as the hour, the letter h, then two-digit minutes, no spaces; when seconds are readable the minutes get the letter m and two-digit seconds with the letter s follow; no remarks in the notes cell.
7h46
